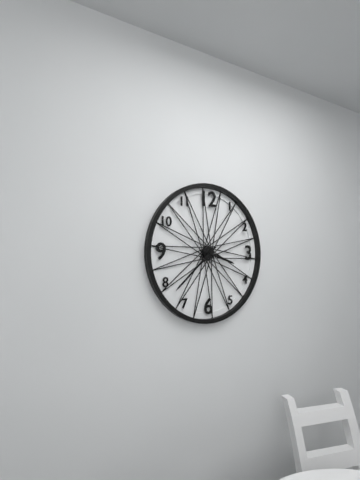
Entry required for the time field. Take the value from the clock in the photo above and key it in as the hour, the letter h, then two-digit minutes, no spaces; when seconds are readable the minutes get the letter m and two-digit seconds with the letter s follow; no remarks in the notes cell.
3h38
